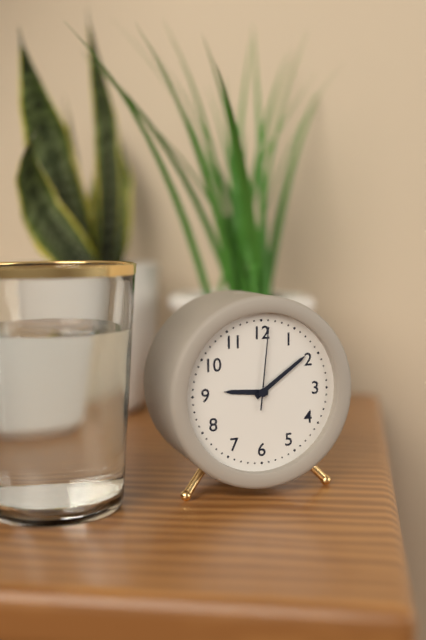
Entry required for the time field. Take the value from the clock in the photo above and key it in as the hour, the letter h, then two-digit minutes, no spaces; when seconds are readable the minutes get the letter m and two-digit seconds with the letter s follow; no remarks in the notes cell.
9h09m01s
